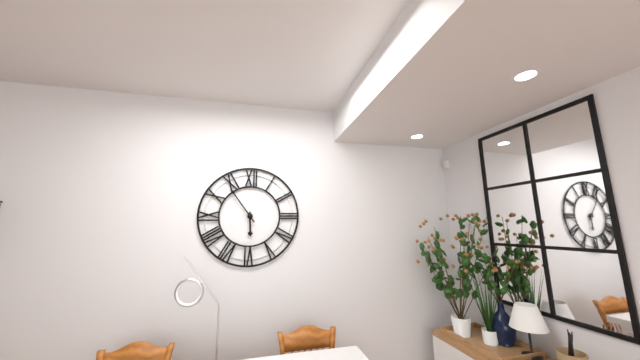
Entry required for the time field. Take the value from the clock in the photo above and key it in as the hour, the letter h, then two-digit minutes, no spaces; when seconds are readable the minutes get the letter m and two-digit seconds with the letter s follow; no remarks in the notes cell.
5h54
